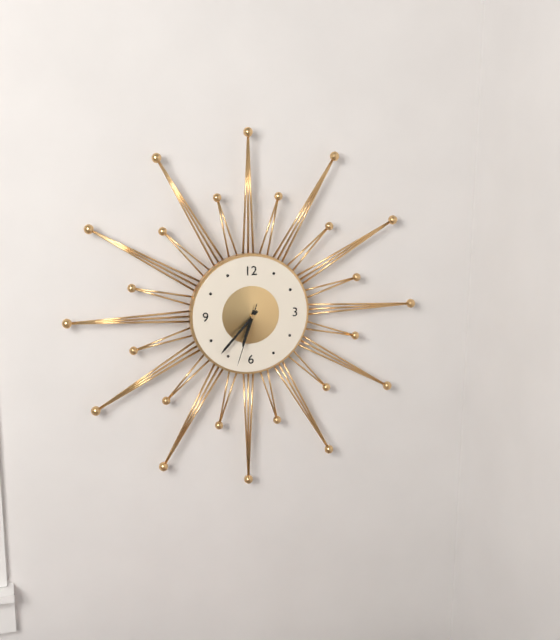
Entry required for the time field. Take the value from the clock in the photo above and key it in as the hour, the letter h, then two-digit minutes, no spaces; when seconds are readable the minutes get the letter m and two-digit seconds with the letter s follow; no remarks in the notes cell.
6h37m33s
